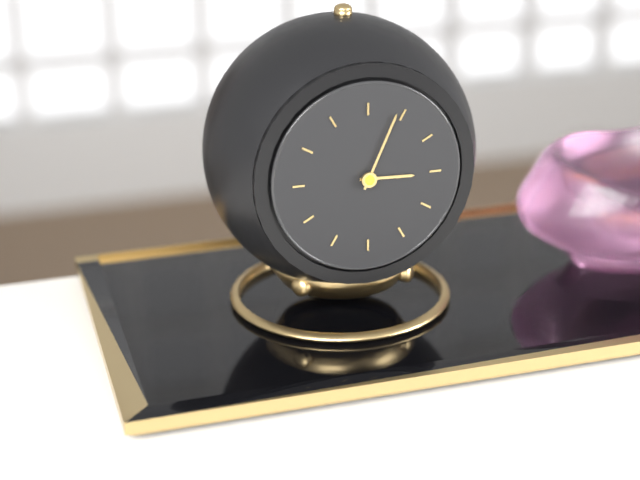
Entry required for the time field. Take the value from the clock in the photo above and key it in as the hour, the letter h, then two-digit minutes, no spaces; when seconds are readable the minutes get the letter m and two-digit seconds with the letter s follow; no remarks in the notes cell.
3h04
